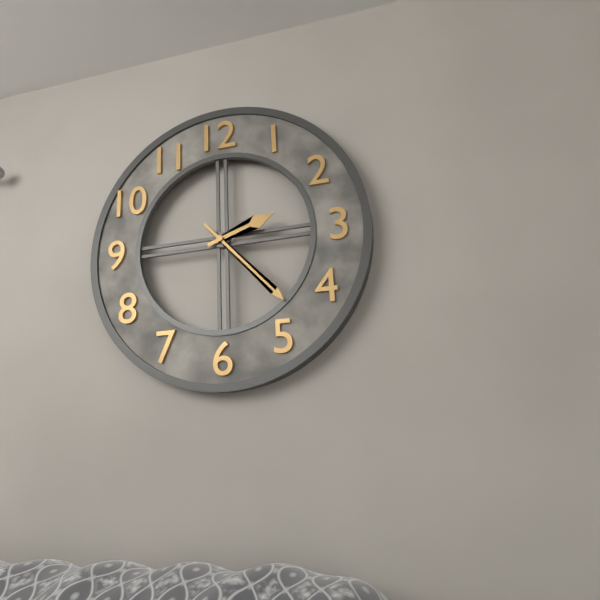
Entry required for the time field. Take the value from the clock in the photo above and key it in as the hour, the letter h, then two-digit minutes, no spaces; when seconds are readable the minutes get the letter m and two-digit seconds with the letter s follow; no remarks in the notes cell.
2h23
